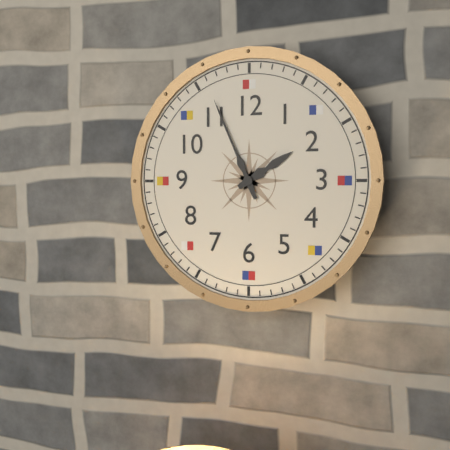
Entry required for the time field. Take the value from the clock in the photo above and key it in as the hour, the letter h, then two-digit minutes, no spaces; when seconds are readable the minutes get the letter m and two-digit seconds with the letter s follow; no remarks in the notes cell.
1h56
